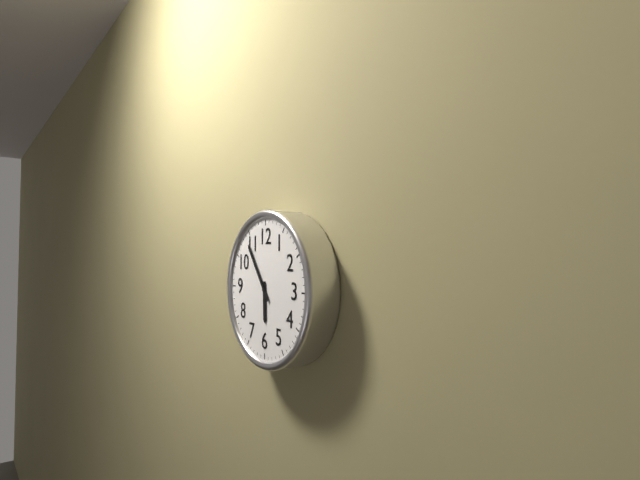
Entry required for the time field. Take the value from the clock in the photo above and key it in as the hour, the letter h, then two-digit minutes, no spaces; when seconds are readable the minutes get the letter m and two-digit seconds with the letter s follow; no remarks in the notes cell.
5h54
